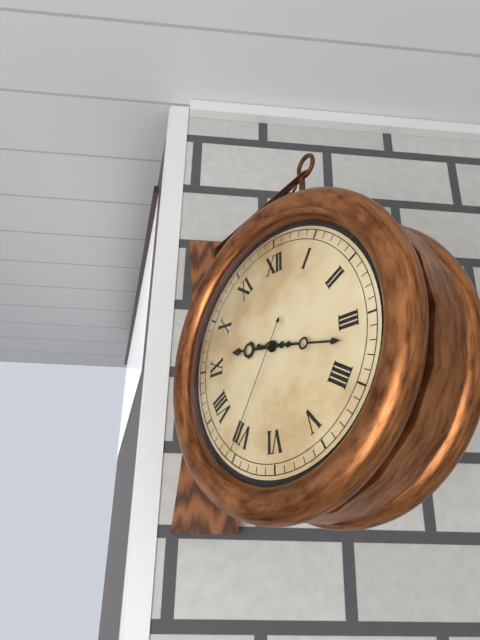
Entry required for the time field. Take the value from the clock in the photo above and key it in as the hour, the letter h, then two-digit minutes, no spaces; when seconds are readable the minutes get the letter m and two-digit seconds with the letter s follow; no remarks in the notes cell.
9h17m35s
